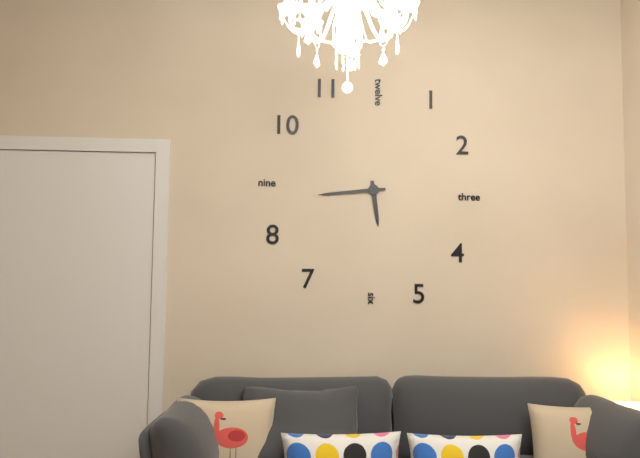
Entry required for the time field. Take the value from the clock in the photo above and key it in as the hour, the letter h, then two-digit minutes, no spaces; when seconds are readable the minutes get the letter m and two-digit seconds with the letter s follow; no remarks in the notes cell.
5h44
